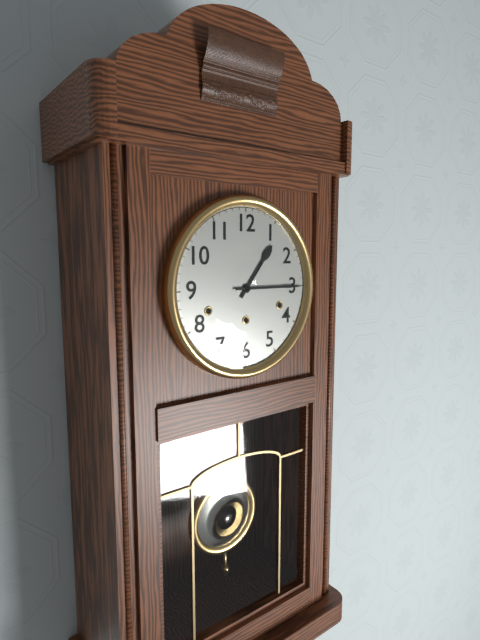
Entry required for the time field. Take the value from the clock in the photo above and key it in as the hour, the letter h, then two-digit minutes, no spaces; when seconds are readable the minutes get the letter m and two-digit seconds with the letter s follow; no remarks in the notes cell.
1h15
